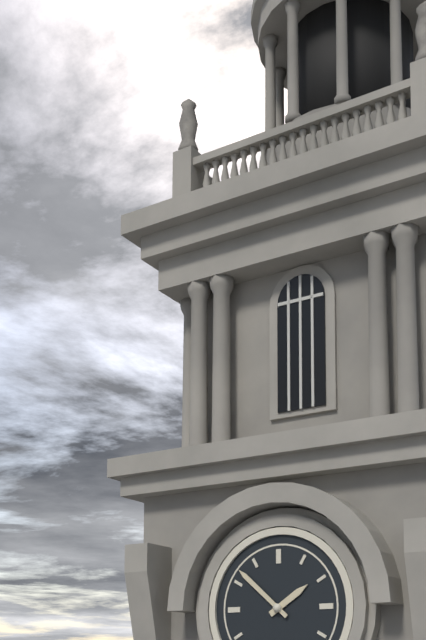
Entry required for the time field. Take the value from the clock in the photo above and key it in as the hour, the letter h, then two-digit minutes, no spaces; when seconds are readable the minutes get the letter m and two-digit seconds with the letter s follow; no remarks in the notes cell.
1h52
